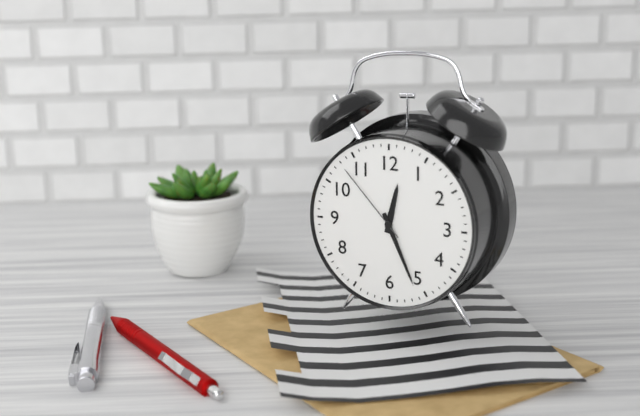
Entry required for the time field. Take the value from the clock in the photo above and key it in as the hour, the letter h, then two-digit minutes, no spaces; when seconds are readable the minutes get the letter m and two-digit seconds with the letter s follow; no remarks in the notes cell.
12h26m53s
